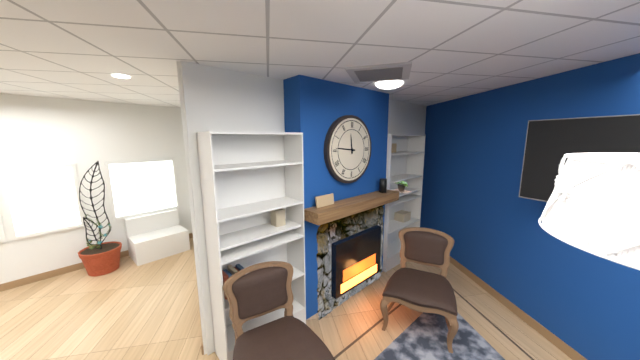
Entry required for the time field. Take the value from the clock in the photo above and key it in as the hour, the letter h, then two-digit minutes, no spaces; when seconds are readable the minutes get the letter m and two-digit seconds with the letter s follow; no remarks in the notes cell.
11h46
